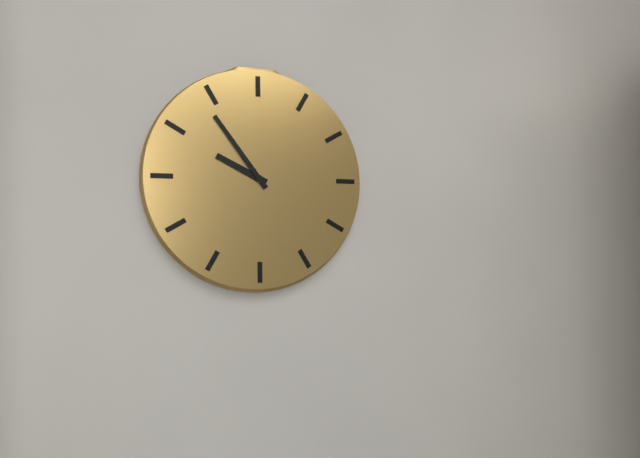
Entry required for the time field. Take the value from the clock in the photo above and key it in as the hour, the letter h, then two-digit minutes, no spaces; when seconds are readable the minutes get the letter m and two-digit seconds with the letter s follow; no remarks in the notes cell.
9h54
